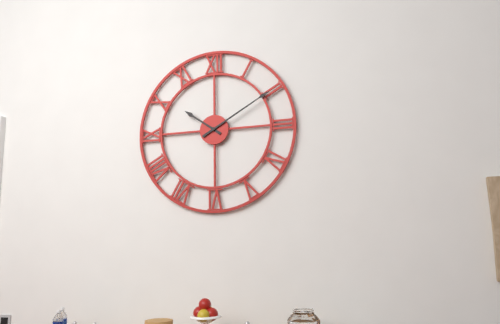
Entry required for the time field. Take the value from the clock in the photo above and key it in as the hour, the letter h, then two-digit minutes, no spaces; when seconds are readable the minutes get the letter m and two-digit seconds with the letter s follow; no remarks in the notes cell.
10h10
